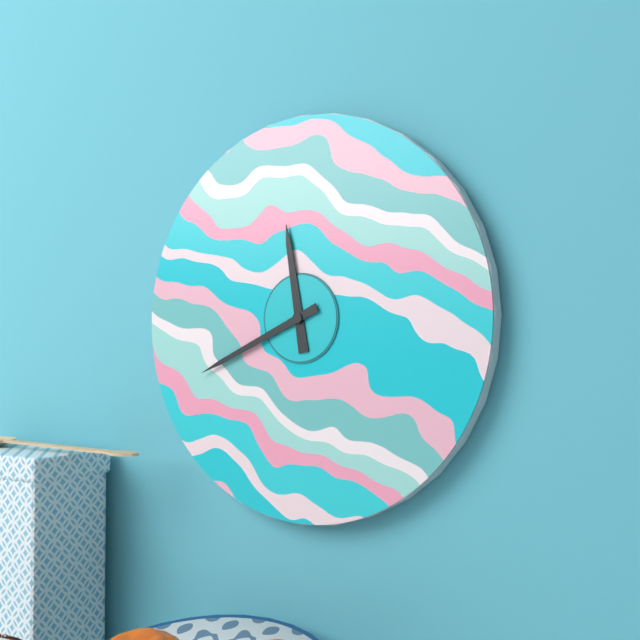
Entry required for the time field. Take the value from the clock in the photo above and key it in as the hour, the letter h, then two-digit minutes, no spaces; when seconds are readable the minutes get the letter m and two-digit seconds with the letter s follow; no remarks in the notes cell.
11h41
